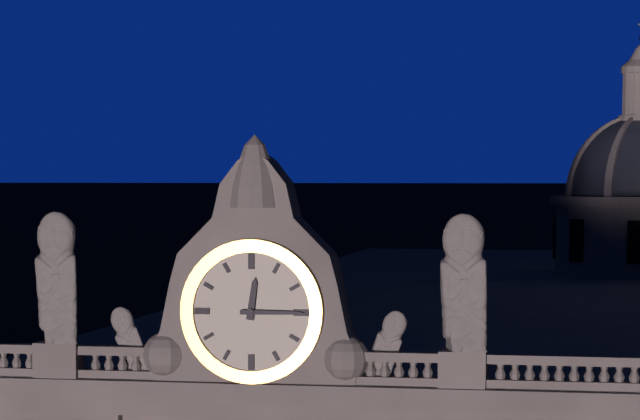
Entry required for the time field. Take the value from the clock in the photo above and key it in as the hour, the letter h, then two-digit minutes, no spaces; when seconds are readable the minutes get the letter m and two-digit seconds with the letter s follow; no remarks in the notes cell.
12h15
